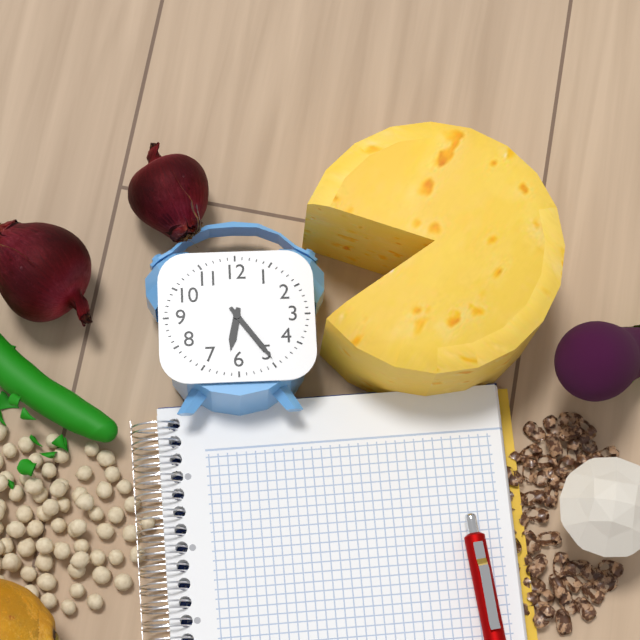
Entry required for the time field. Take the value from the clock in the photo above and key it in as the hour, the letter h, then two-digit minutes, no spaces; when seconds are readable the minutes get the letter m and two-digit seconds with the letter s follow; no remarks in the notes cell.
6h24
